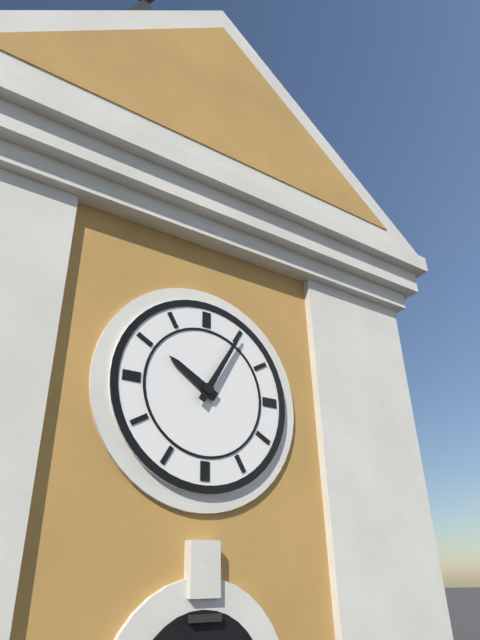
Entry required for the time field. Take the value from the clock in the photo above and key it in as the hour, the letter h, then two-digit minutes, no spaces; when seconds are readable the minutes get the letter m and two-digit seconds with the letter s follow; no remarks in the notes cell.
10h05
